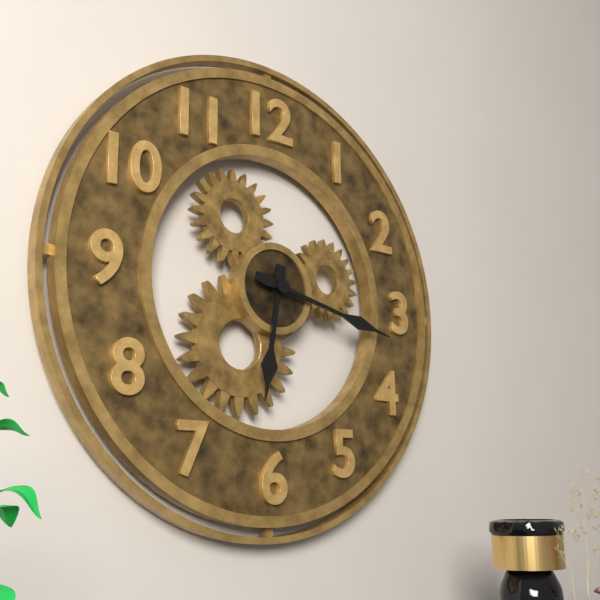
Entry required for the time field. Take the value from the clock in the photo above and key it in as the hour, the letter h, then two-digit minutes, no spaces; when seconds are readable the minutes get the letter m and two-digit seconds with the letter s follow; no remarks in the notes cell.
6h17
